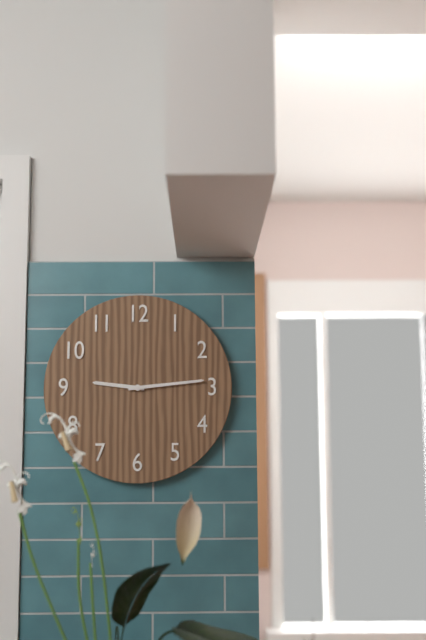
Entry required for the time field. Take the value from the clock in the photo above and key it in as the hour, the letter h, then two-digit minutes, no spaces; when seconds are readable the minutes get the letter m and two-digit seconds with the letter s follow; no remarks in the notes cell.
9h14
